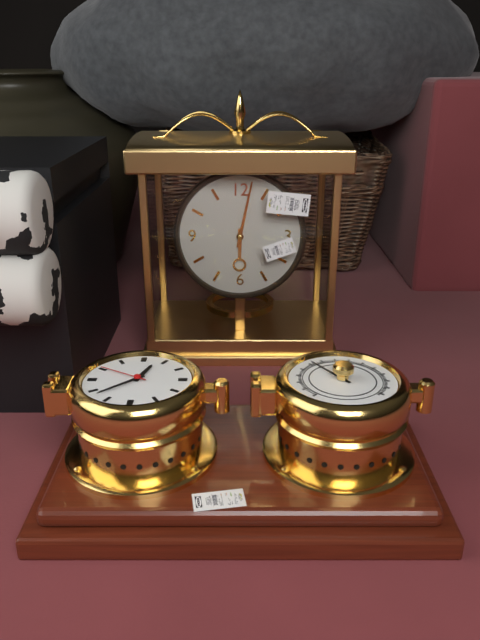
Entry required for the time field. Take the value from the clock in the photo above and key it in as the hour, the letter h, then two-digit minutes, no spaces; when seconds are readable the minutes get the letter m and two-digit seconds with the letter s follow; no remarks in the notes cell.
6h02
